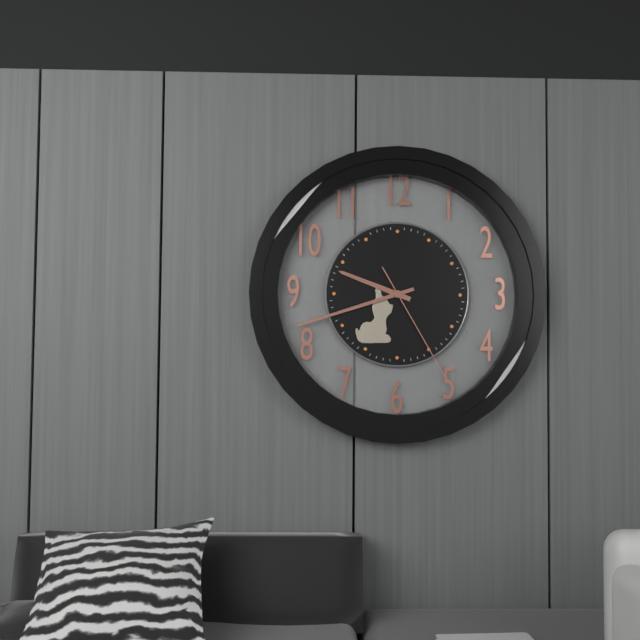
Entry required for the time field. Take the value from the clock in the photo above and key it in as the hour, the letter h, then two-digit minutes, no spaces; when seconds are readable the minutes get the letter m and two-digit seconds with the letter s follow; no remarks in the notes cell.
9h42m25s
